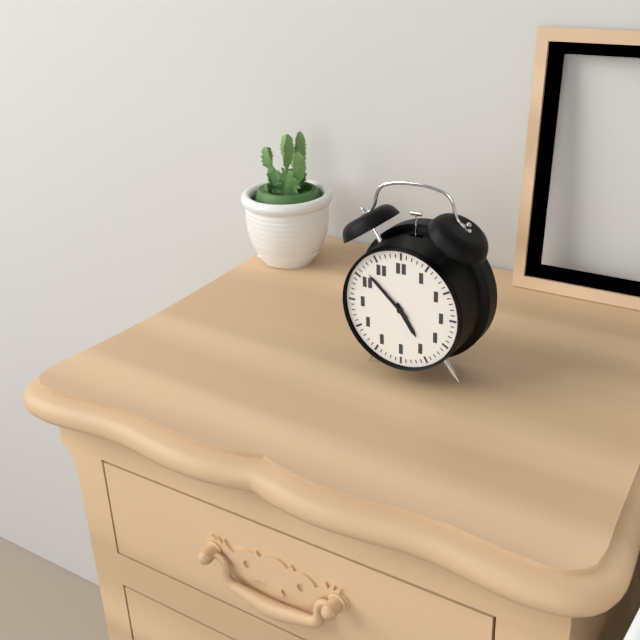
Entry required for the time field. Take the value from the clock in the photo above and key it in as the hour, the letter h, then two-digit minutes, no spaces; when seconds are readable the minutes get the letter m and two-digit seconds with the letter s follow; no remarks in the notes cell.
4h52
